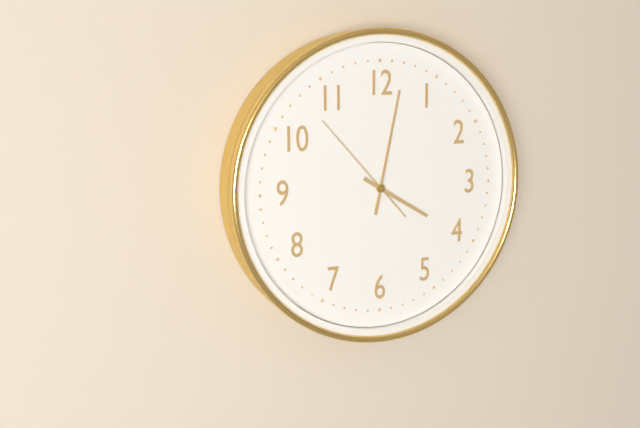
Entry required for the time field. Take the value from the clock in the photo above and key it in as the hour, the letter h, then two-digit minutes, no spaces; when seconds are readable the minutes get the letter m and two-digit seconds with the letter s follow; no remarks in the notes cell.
4h02m53s
